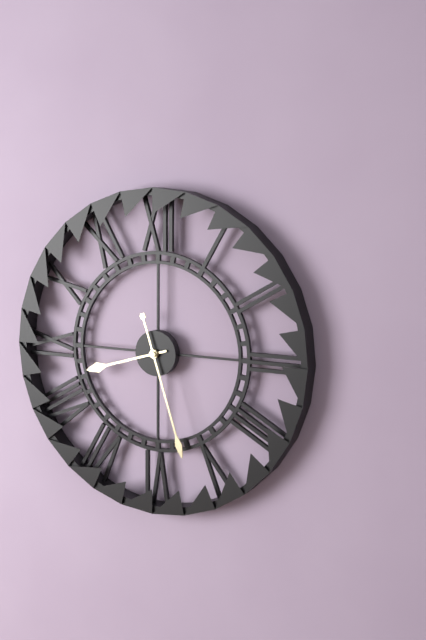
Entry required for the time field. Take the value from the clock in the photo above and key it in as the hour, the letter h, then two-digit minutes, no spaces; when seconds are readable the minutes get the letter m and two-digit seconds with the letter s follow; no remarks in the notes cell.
8h27
